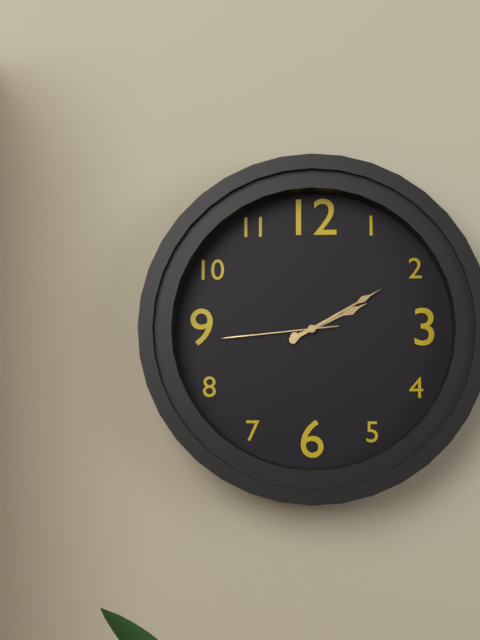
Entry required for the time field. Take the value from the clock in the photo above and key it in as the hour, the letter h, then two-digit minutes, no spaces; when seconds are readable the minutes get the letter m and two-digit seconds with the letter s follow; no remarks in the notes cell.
2h10m44s
